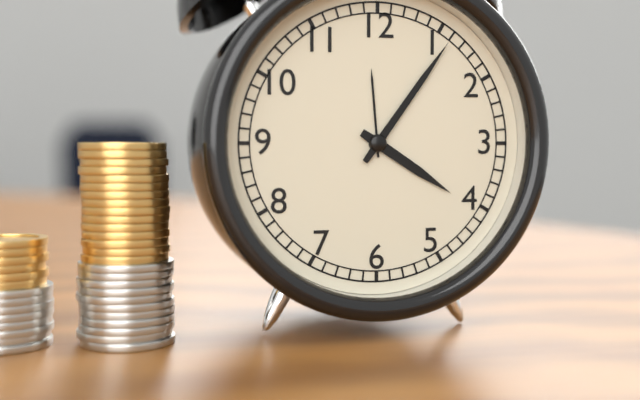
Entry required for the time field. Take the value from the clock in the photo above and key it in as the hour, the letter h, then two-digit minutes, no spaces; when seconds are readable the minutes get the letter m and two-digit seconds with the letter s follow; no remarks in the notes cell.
4h06
